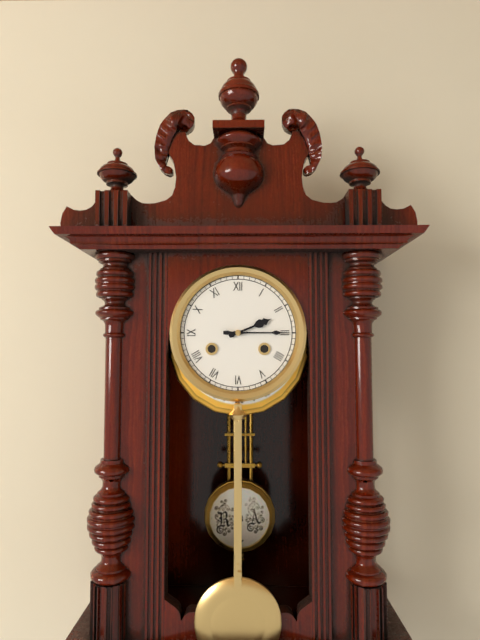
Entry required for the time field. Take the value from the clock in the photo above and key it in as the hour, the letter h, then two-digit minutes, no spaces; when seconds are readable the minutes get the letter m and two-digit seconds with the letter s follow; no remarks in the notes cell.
2h15
